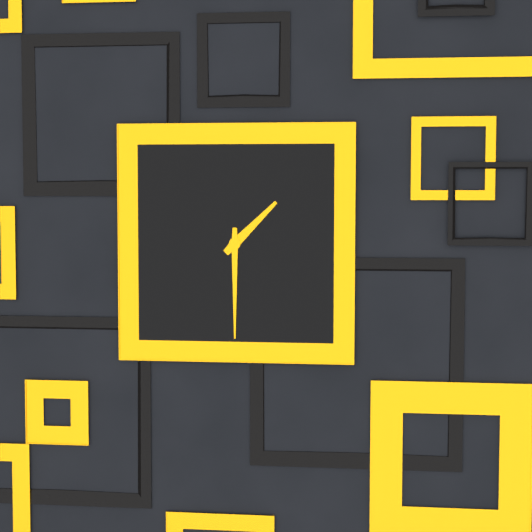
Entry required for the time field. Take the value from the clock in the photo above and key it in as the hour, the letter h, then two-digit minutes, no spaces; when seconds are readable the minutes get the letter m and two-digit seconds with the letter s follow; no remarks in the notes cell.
1h30
